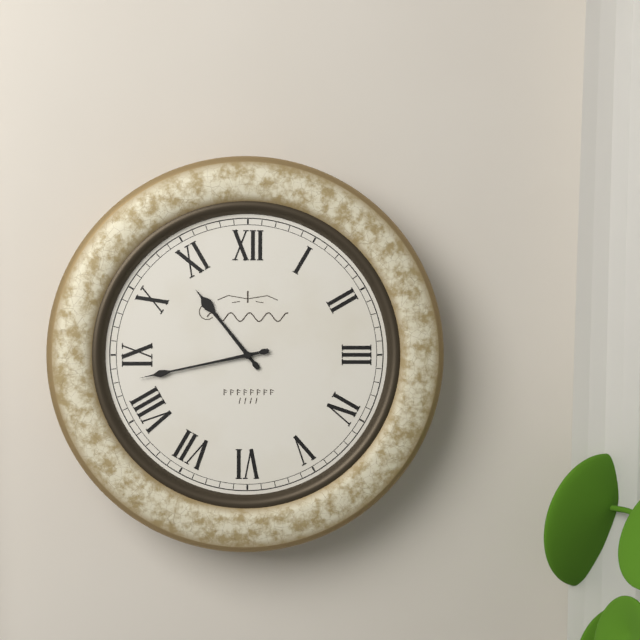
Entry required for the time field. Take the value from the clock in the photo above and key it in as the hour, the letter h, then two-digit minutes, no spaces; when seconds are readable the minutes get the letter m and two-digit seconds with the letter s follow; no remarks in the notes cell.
10h43
